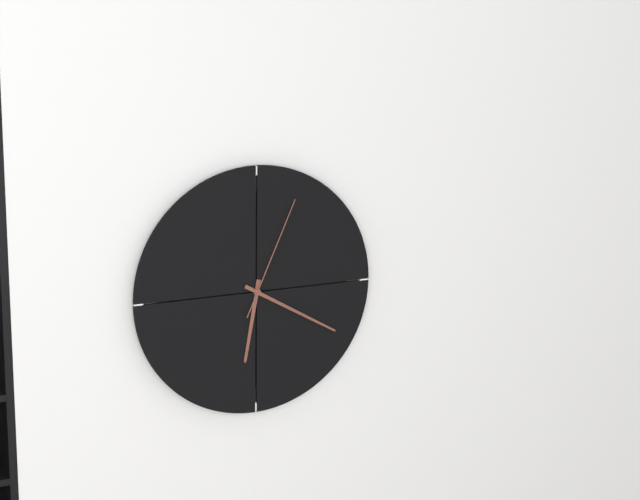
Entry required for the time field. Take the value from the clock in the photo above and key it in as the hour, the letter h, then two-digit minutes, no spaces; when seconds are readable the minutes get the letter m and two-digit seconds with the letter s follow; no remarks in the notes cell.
6h20m04s
